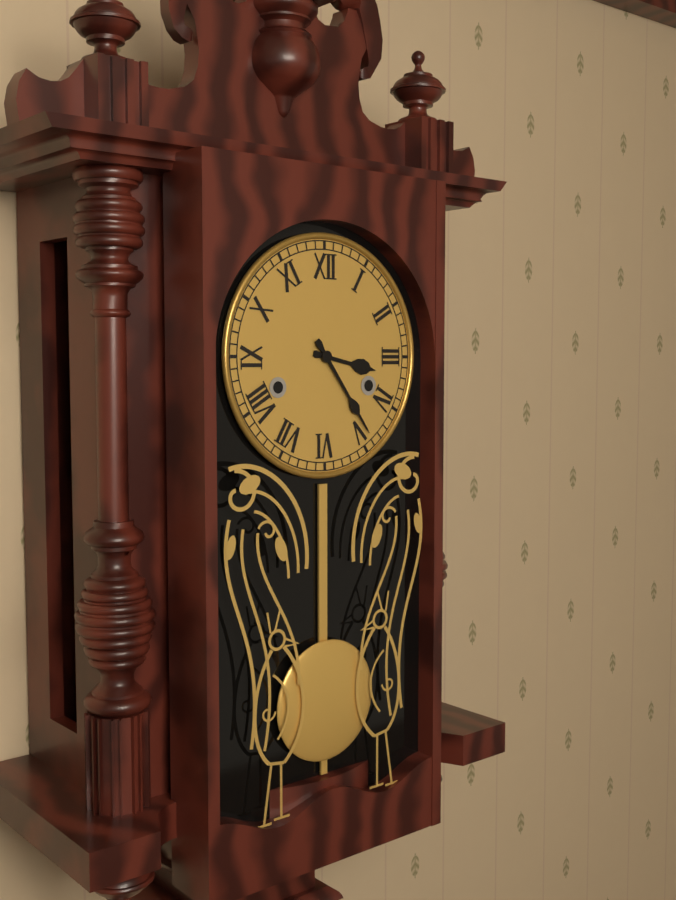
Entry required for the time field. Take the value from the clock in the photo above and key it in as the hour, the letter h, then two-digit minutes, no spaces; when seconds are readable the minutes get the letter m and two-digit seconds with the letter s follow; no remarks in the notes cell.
3h24
